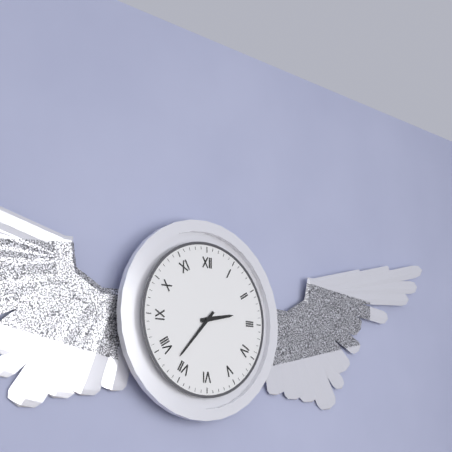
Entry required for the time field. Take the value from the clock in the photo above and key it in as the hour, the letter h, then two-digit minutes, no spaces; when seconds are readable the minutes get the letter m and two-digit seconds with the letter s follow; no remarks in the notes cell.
2h37
